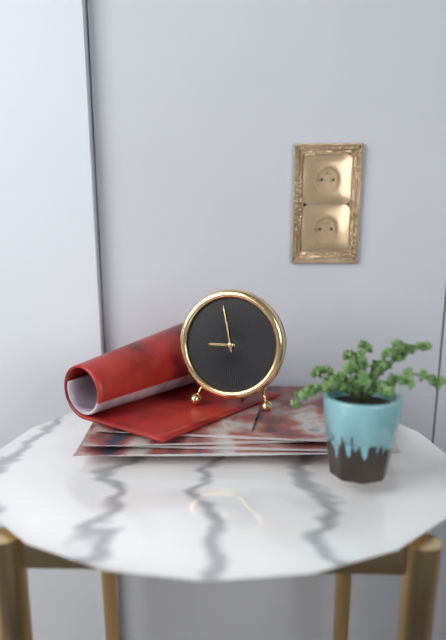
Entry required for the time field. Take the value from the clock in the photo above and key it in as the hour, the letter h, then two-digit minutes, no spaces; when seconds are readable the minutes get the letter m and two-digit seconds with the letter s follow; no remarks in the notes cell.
8h58
